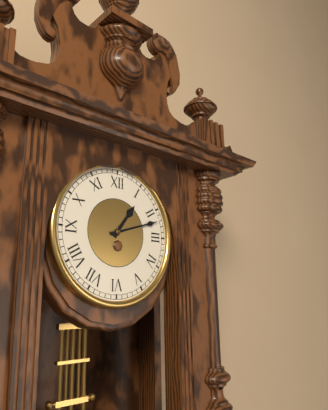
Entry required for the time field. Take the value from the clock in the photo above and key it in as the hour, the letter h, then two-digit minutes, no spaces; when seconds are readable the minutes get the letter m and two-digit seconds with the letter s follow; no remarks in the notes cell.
1h12
